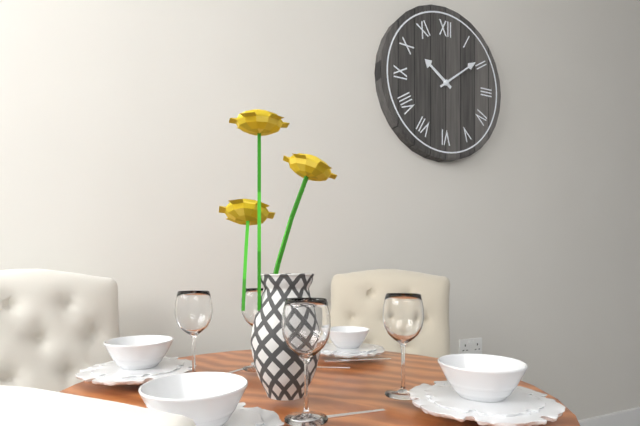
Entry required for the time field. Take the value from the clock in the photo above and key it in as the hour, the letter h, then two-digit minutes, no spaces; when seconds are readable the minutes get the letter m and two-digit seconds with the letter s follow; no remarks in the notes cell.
10h09
